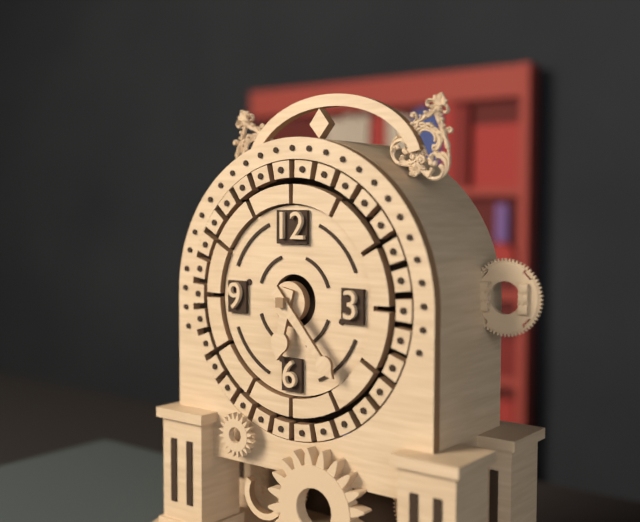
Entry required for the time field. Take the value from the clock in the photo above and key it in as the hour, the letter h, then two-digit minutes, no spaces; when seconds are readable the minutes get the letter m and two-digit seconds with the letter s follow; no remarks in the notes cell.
6h23
